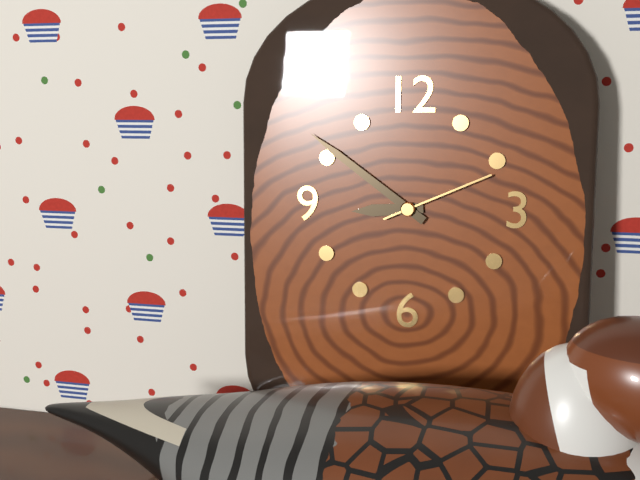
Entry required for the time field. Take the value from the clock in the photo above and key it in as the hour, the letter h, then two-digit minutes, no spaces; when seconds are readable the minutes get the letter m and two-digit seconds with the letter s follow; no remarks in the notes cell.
8h51m11s
